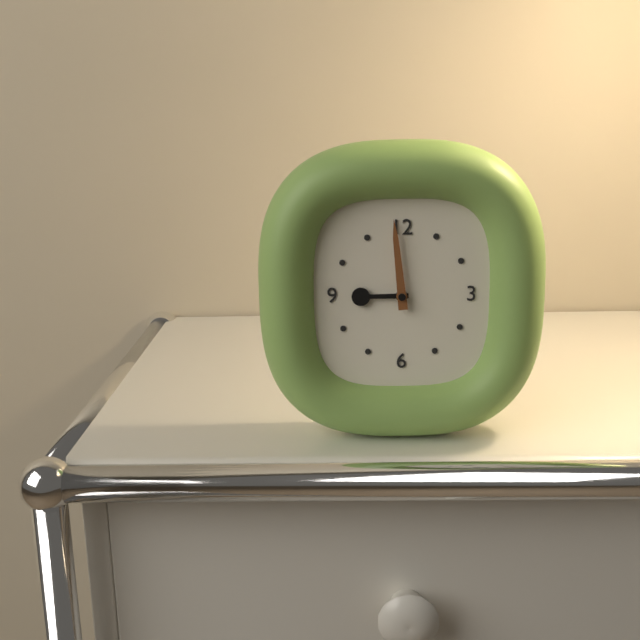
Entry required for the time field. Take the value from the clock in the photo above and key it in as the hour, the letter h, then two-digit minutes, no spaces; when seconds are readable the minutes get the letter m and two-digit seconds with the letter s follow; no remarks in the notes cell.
8h59
